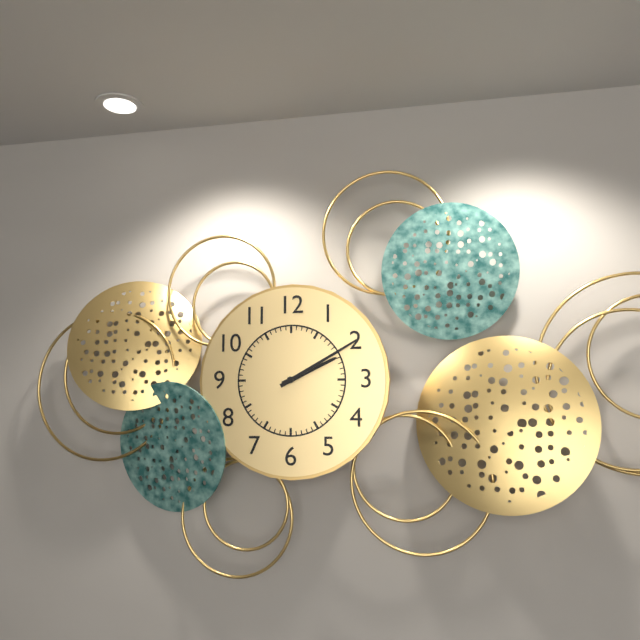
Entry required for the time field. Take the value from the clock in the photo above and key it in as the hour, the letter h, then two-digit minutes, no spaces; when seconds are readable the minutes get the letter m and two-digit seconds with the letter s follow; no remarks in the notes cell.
2h10
